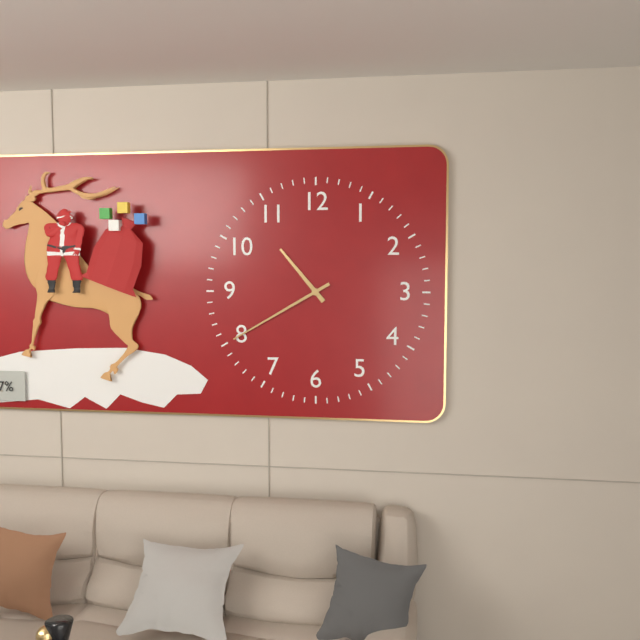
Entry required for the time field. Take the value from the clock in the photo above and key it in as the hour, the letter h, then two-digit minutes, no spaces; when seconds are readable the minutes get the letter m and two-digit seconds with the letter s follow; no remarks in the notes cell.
10h40
